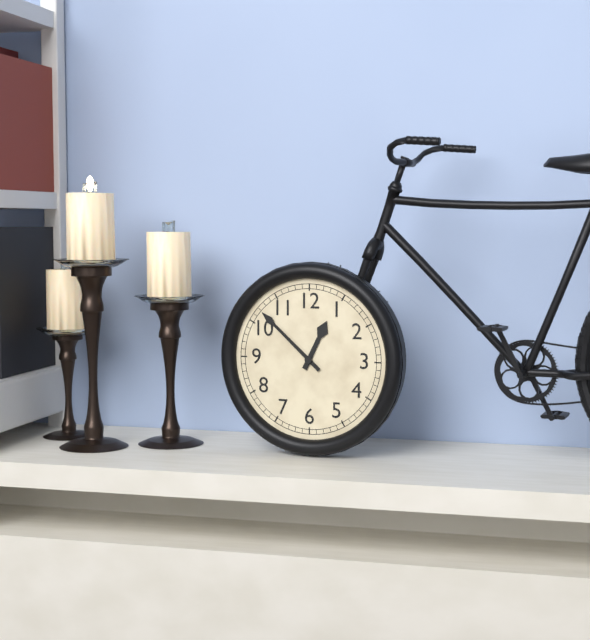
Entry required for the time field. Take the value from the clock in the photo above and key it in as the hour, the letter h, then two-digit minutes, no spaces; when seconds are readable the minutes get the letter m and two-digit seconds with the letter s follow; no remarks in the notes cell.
12h52
